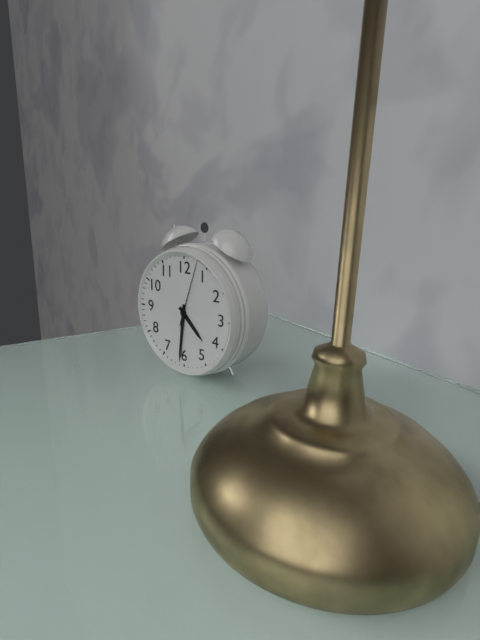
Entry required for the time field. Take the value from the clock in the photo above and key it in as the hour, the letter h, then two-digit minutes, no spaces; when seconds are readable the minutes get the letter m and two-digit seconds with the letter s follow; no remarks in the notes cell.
4h31m03s
